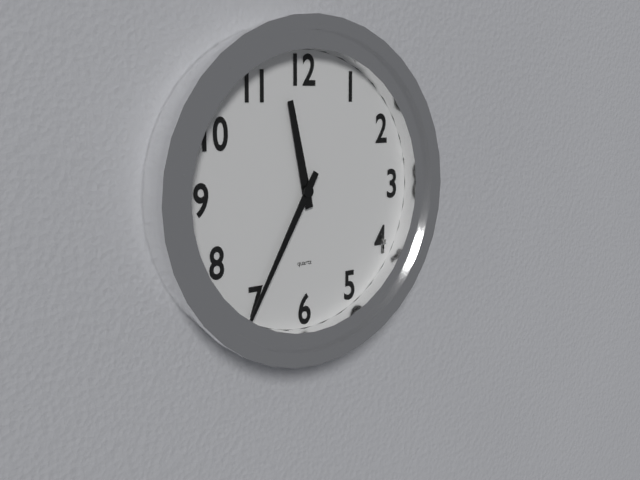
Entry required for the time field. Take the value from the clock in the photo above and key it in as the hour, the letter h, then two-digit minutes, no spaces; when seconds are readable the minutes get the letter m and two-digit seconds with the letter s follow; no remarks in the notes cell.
11h35
